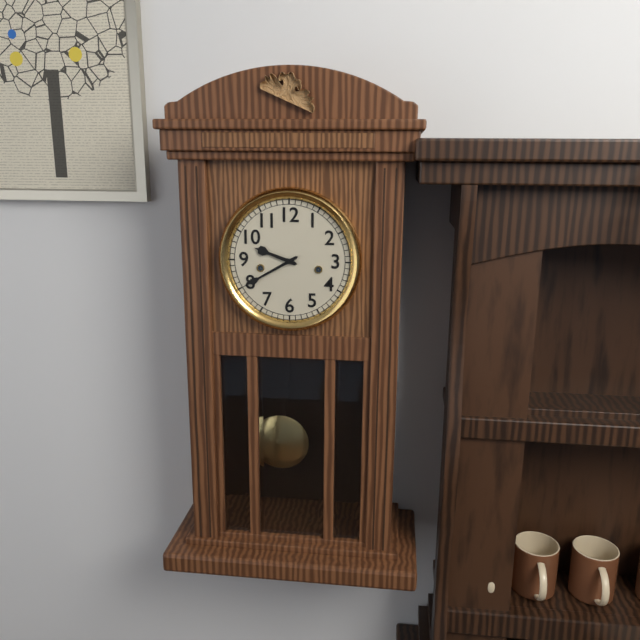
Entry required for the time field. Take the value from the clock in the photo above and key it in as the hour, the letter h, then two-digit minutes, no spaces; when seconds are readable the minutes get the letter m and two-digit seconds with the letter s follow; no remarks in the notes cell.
9h40
